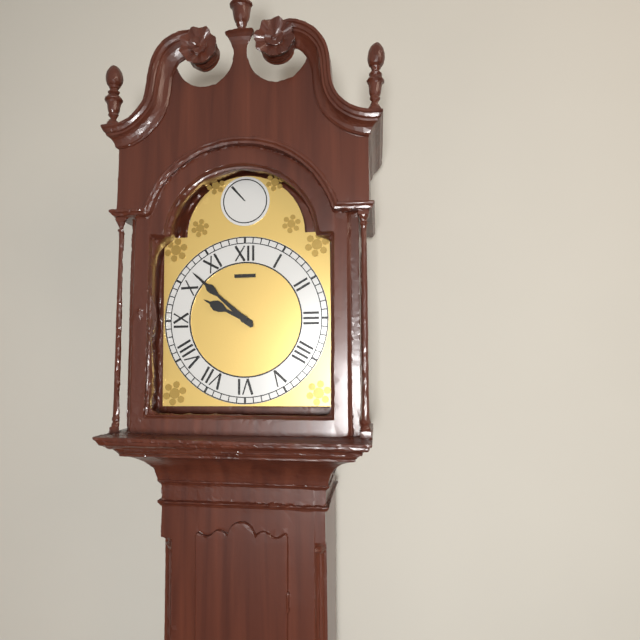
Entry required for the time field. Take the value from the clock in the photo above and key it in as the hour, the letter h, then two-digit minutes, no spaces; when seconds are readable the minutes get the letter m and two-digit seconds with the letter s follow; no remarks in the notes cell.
9h52
